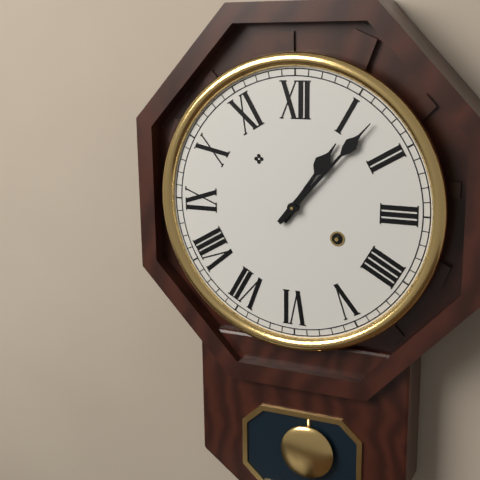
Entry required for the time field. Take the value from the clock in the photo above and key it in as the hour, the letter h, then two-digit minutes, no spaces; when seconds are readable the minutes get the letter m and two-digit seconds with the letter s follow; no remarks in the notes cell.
1h07
